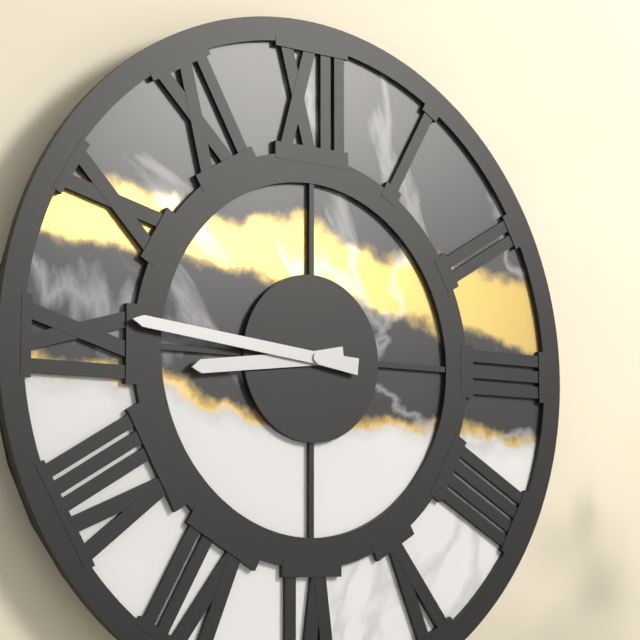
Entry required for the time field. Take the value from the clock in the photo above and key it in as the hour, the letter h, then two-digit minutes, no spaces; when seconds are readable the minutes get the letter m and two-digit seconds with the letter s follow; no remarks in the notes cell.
8h46
